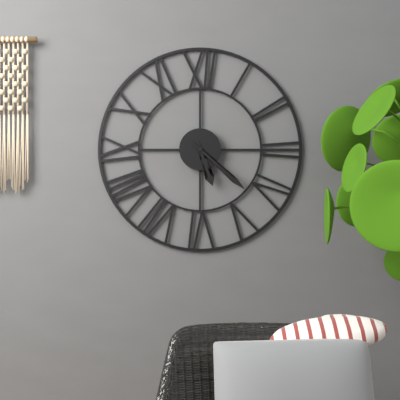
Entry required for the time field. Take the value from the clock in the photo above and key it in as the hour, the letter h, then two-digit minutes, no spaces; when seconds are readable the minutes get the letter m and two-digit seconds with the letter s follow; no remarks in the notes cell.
5h22
